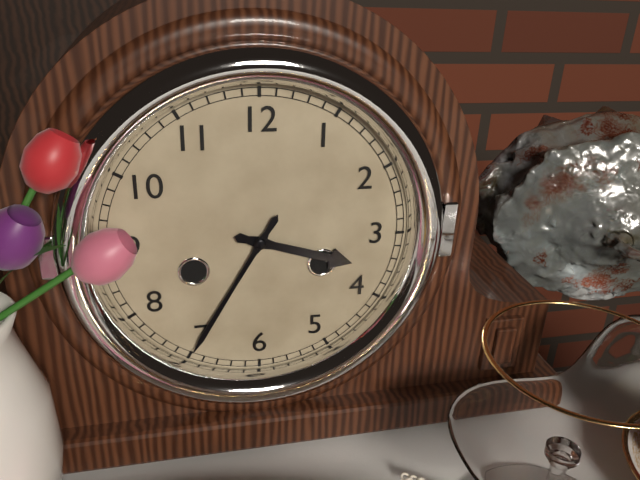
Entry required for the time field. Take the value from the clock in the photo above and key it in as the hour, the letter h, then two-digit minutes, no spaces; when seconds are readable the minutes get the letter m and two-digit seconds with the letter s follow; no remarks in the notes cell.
3h35
